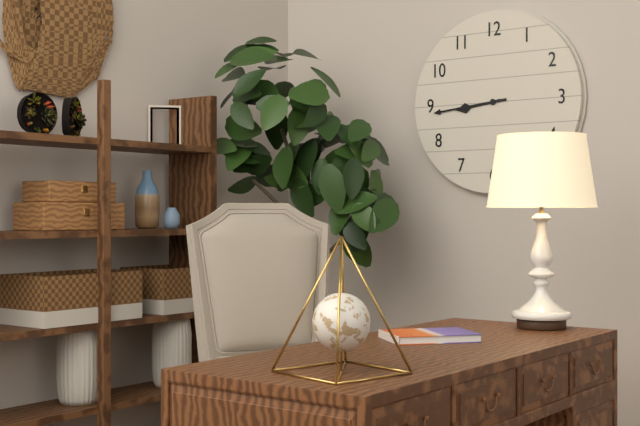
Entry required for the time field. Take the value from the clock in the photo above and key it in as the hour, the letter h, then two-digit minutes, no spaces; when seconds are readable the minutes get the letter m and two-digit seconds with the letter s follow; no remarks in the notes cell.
8h44
